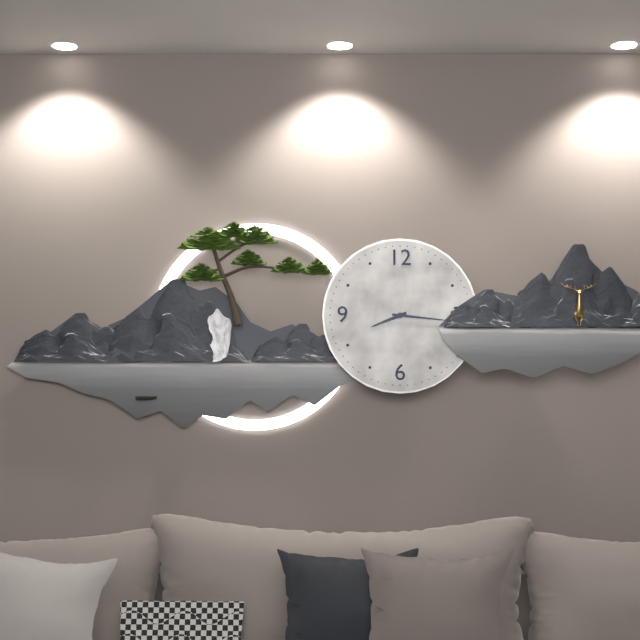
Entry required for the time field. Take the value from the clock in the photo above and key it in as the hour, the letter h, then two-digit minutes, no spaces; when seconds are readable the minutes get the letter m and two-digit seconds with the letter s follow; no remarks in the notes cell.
8h16
